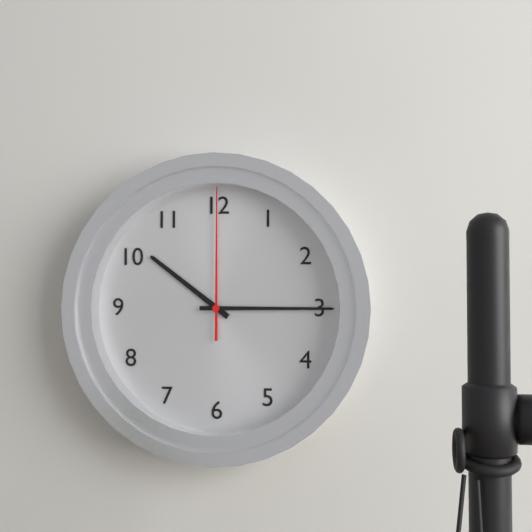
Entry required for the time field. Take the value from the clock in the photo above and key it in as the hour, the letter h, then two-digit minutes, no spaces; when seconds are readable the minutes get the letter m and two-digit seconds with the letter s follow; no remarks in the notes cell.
10h15m00s
